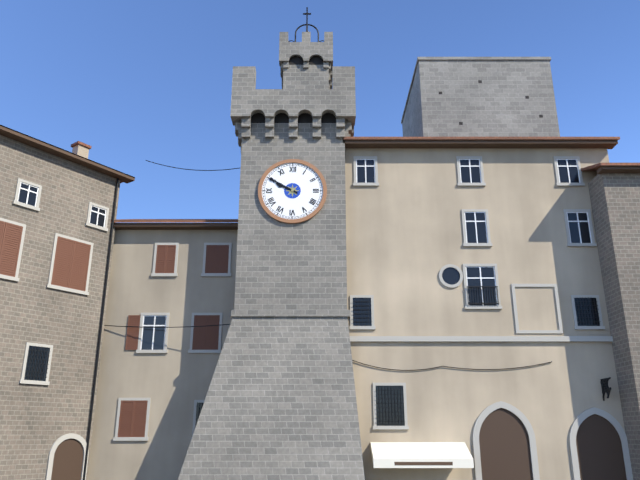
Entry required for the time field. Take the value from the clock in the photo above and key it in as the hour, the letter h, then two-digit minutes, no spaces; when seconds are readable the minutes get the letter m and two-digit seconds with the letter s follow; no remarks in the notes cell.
9h50
